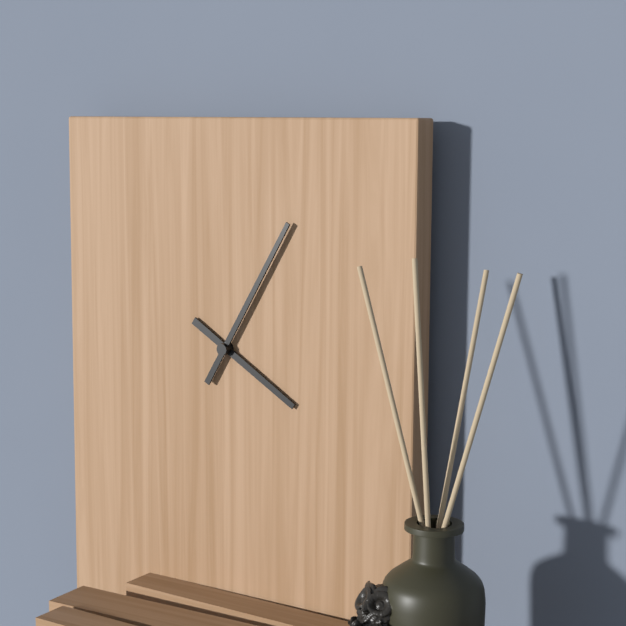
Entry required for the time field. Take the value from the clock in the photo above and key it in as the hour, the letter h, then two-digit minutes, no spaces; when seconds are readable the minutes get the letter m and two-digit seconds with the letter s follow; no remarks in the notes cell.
4h05
